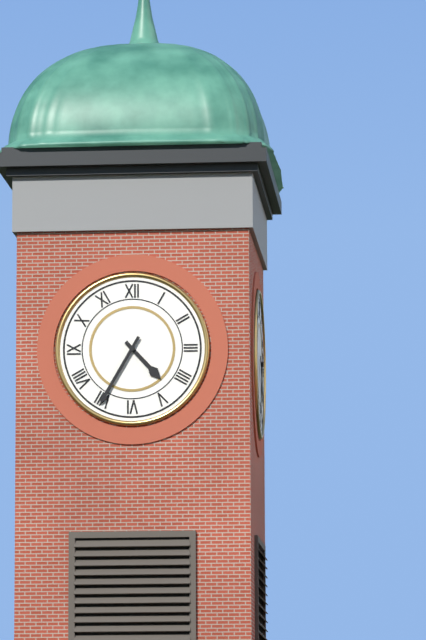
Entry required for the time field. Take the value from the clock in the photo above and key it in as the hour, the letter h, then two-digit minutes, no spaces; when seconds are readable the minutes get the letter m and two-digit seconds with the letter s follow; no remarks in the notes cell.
4h35
